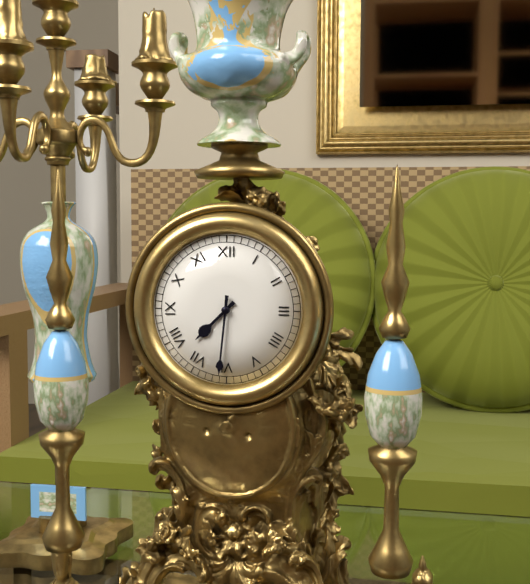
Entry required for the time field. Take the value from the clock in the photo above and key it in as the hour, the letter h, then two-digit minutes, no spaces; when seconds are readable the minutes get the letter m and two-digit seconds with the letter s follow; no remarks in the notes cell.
7h31
